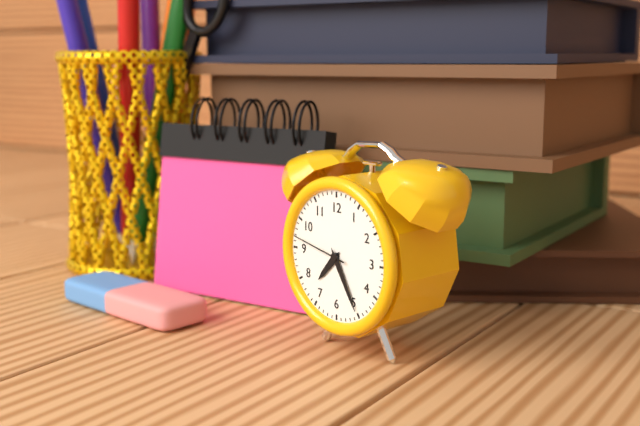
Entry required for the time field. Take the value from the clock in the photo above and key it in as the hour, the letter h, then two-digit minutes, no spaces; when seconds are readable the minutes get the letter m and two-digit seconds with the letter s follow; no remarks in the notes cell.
7h25m47s
